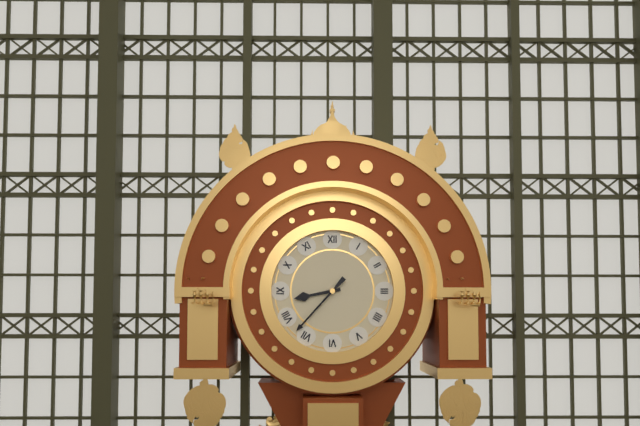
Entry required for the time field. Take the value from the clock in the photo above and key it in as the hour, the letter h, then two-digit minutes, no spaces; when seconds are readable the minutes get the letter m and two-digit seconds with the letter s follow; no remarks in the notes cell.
8h37
